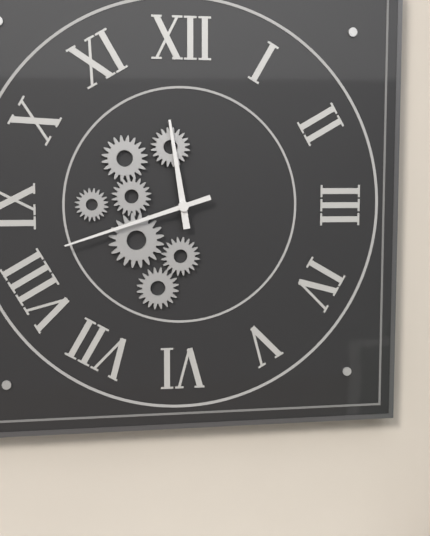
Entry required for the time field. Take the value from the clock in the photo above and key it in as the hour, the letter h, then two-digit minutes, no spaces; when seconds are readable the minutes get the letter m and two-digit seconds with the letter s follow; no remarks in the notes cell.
11h42
